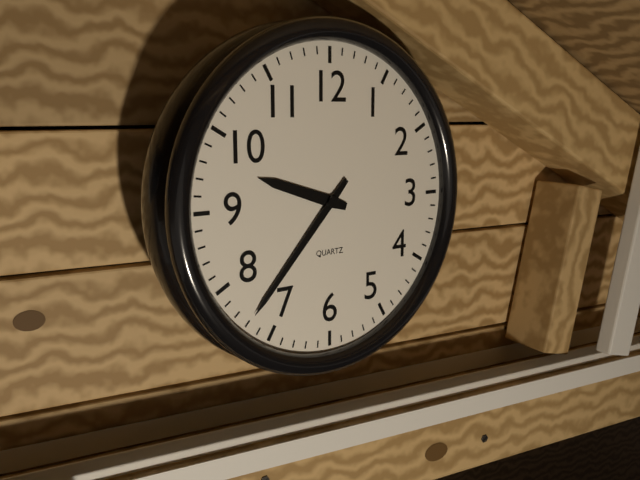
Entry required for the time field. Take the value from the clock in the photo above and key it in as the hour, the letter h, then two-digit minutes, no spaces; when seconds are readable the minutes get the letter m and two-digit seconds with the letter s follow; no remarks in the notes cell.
9h37
